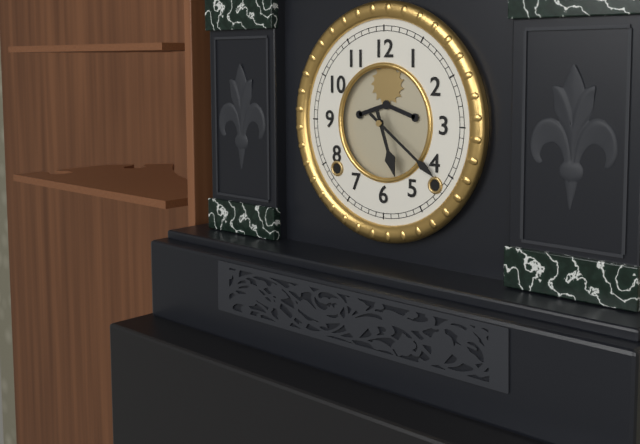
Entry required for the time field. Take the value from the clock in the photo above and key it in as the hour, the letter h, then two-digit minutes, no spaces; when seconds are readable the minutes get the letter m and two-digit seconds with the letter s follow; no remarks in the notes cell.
5h21
